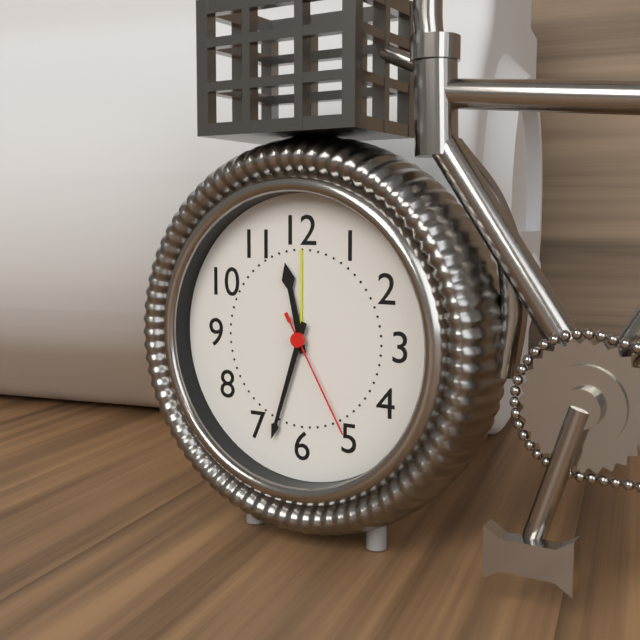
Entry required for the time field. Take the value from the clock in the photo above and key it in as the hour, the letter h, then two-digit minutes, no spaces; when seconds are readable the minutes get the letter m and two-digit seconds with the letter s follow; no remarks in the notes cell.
11h33m25s
